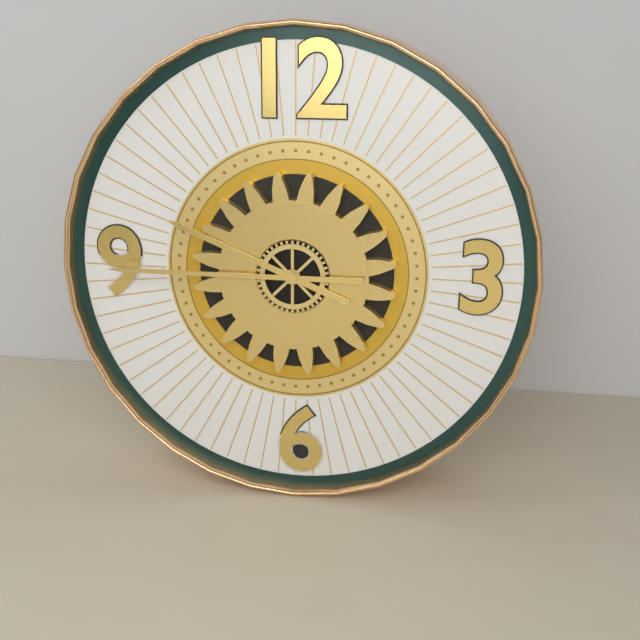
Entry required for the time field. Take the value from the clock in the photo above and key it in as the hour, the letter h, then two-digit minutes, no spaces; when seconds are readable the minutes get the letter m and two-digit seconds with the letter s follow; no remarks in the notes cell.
9h45
